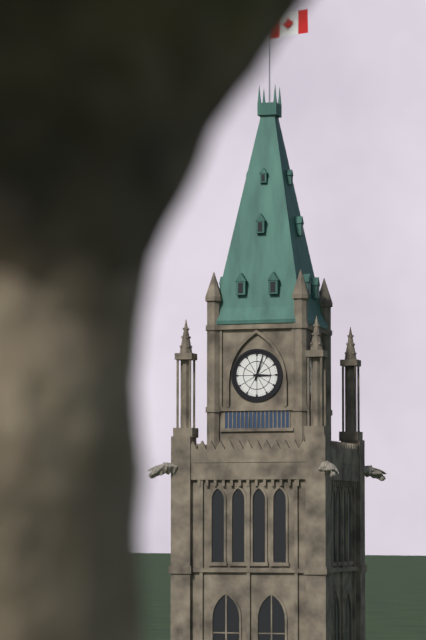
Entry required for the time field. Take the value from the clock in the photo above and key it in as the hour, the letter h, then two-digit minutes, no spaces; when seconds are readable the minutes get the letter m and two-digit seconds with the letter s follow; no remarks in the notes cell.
3h03
